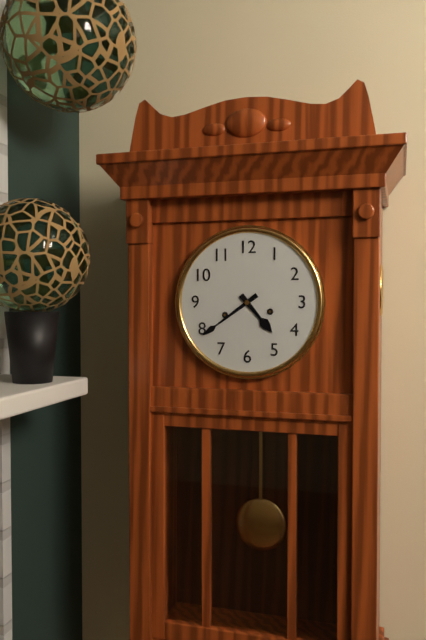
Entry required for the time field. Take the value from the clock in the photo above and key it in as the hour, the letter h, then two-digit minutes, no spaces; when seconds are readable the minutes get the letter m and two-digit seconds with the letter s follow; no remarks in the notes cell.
4h39
